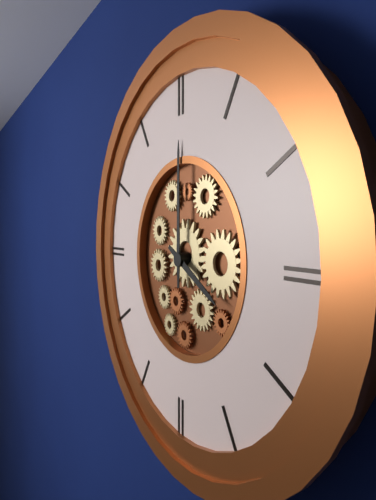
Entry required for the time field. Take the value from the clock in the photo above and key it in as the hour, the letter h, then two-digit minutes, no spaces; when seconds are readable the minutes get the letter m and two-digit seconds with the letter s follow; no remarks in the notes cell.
4h00
